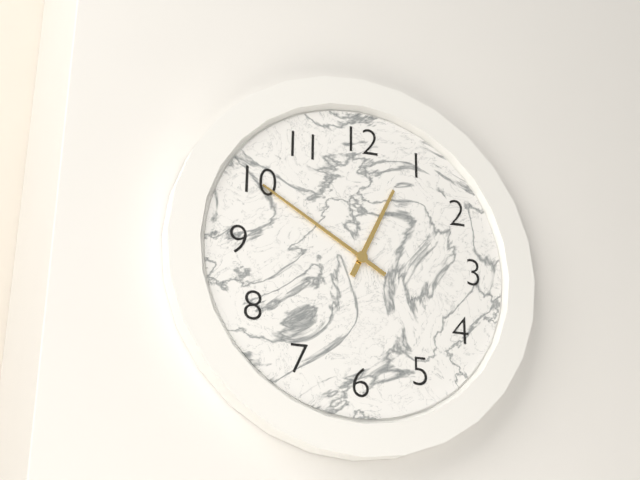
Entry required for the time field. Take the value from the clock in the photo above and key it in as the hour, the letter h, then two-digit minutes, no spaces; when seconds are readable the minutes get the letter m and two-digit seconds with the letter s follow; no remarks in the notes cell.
12h50
